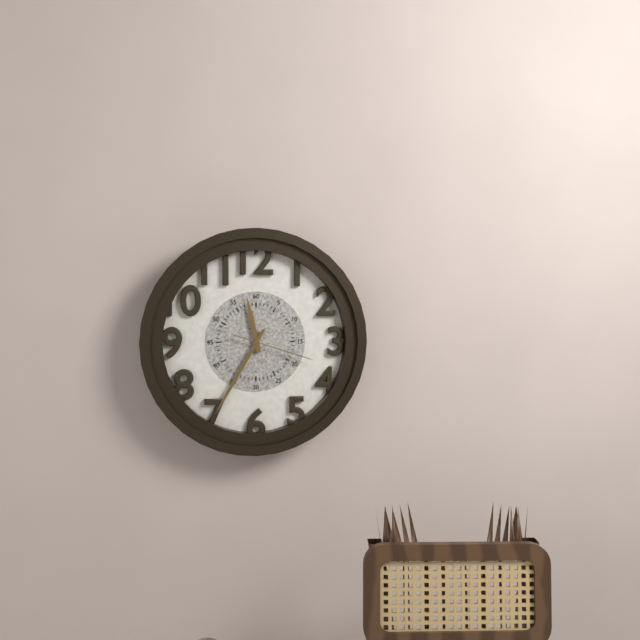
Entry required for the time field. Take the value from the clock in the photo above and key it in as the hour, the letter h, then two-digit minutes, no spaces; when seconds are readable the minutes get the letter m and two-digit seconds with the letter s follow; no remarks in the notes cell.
11h35m18s
